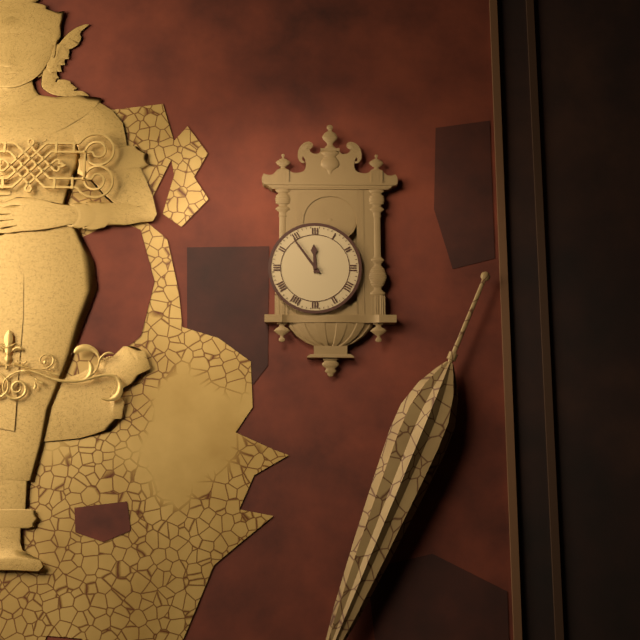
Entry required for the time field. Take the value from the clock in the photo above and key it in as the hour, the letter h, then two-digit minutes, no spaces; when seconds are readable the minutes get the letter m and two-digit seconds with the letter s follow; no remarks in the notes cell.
11h54
